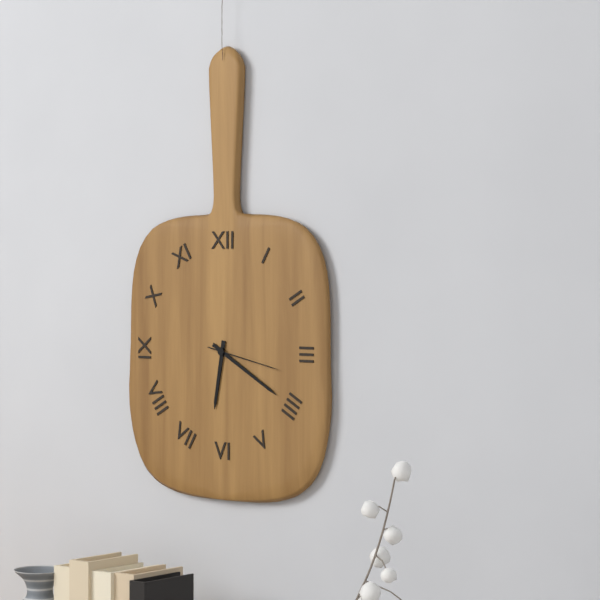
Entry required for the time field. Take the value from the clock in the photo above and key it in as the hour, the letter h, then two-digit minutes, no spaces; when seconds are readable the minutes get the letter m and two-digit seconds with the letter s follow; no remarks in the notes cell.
6h20m17s
